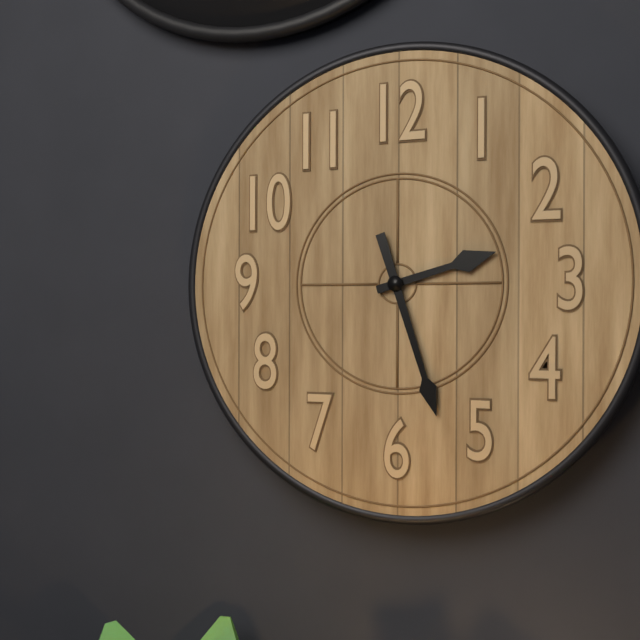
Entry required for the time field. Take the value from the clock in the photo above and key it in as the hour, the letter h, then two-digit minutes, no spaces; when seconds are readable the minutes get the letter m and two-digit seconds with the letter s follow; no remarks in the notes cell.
2h27
